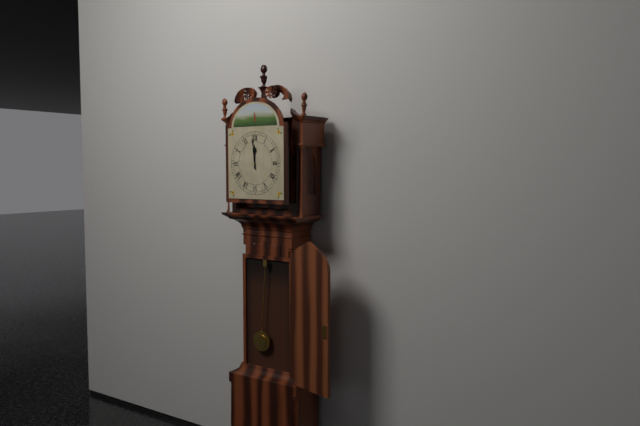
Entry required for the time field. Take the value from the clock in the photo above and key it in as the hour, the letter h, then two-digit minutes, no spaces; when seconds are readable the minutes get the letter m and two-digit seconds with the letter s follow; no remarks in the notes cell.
11h59
